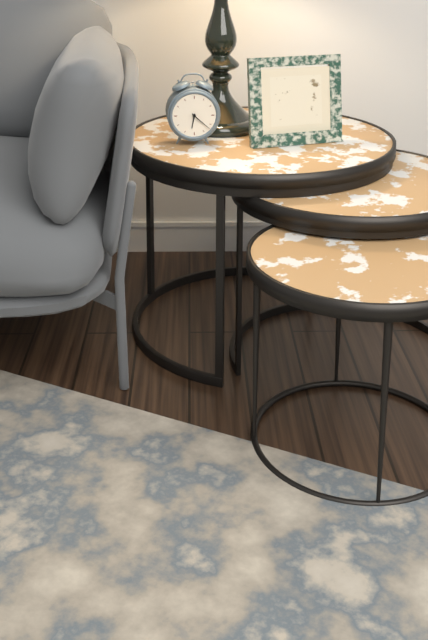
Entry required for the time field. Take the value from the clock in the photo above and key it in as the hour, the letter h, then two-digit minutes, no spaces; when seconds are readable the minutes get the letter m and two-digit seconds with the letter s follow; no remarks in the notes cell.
6h22
